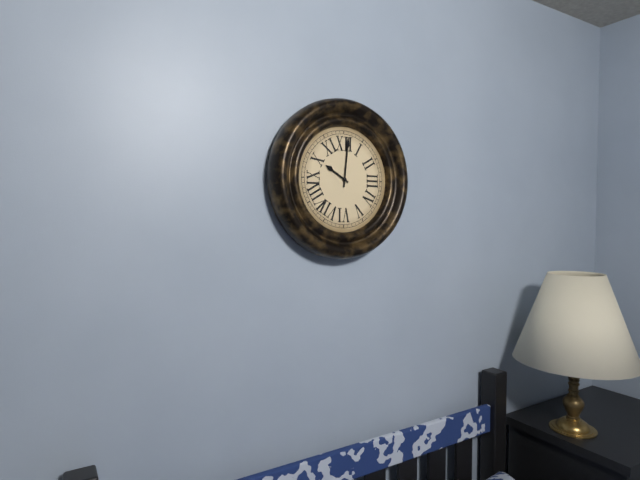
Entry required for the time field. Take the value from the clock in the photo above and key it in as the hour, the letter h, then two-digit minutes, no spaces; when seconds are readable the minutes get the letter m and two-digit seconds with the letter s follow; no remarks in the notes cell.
10h01
